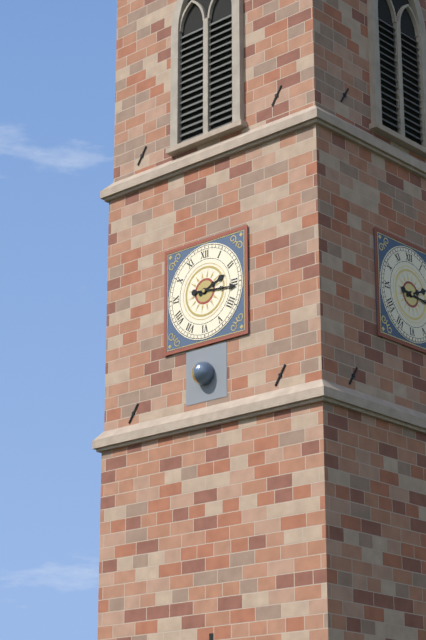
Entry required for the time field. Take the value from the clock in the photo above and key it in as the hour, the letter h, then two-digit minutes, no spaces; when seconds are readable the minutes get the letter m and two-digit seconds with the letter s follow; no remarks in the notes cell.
2h16
